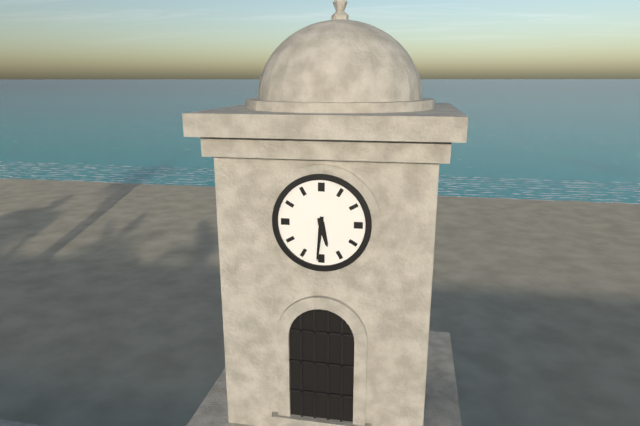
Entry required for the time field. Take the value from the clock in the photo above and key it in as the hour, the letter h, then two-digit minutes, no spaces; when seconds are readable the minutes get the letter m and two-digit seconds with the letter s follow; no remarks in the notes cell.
5h31
